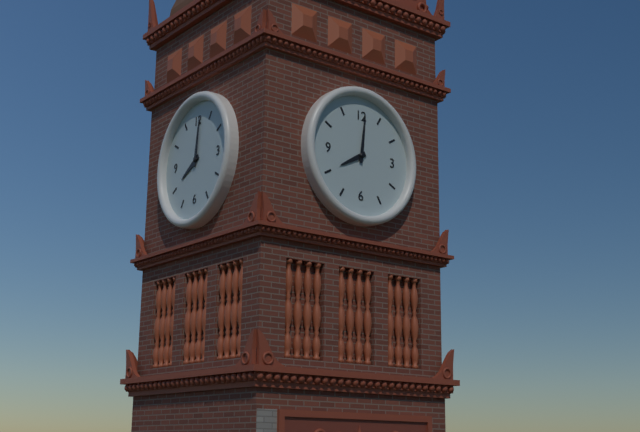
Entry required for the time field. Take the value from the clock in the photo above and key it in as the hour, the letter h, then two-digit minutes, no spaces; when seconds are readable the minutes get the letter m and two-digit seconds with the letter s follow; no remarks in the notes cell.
8h01
